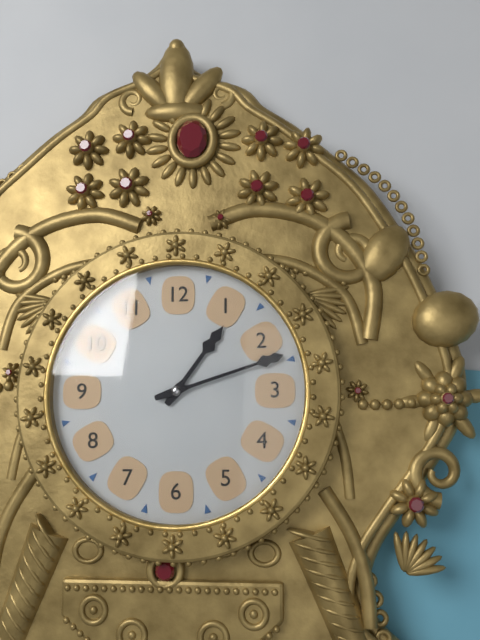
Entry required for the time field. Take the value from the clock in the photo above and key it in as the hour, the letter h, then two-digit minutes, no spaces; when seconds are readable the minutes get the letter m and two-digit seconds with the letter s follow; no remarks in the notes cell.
1h12
